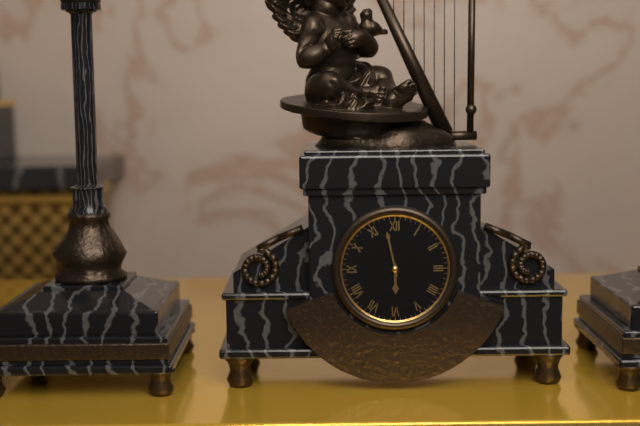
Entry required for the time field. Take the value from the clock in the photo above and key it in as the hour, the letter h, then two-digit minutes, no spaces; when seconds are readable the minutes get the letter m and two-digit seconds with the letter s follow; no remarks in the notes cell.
5h58
